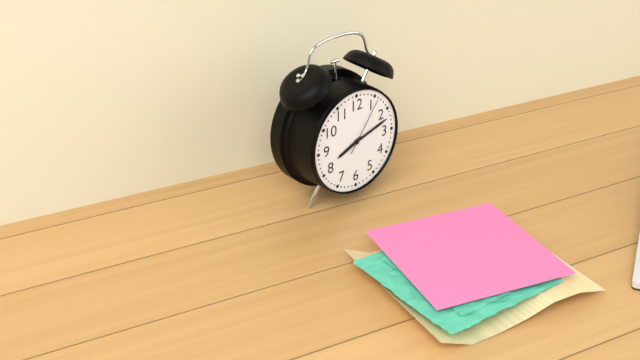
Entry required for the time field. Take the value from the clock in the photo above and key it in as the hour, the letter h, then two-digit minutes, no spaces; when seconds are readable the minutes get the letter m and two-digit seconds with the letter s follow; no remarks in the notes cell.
8h12m06s
